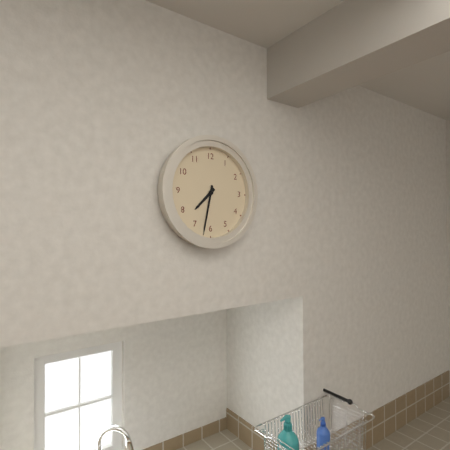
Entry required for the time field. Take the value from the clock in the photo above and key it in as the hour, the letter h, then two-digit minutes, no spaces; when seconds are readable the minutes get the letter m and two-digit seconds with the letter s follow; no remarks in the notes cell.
7h32
